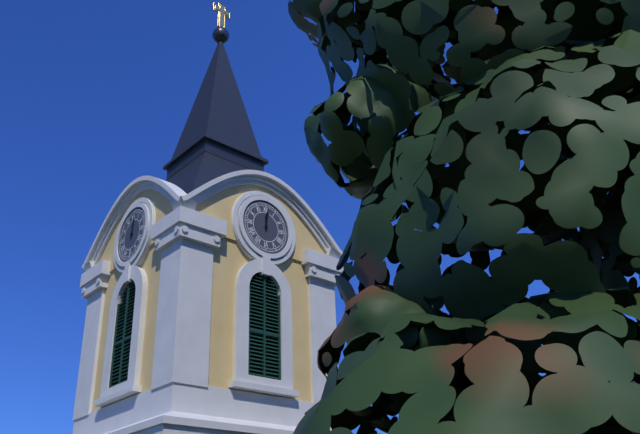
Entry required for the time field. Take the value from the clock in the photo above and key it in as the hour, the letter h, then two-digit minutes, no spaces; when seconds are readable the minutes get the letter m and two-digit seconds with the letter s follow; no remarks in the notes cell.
12h01
